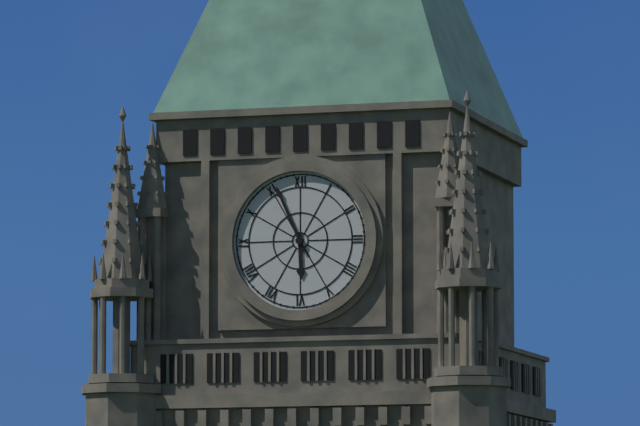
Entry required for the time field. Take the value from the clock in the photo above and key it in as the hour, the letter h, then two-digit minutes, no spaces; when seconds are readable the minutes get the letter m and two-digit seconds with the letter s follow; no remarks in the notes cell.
5h56
